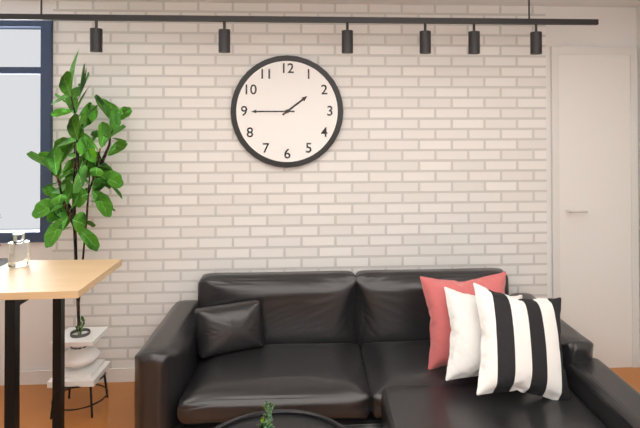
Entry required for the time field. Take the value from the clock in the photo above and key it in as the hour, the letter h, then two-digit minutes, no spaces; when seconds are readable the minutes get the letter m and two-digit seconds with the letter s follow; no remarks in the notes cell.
1h45
